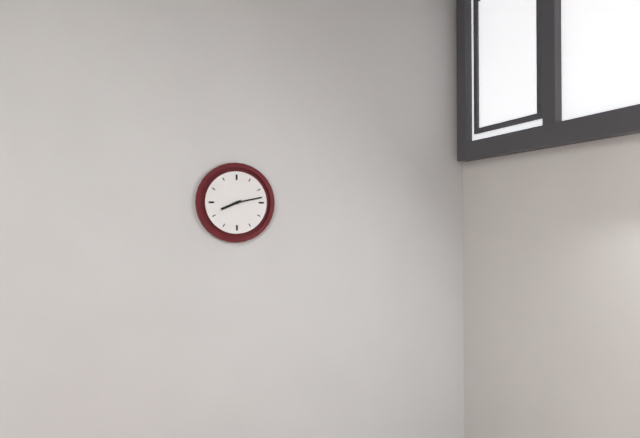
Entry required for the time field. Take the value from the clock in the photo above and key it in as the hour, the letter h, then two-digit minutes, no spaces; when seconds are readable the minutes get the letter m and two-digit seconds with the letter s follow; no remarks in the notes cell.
8h13
